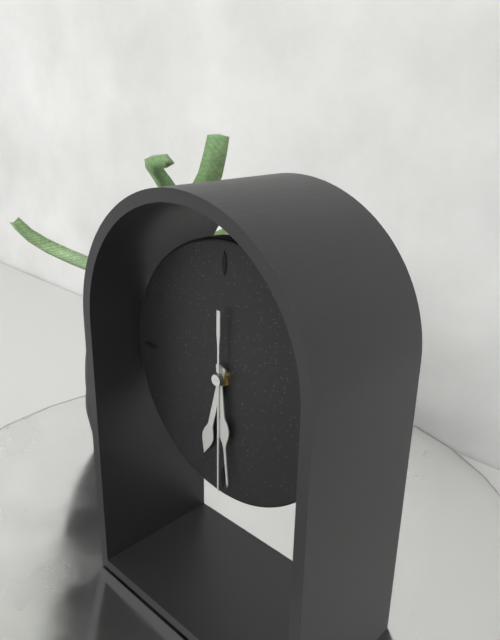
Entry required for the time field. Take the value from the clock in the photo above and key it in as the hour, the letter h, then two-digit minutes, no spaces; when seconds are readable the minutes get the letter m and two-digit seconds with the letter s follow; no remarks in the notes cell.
6h29m30s
